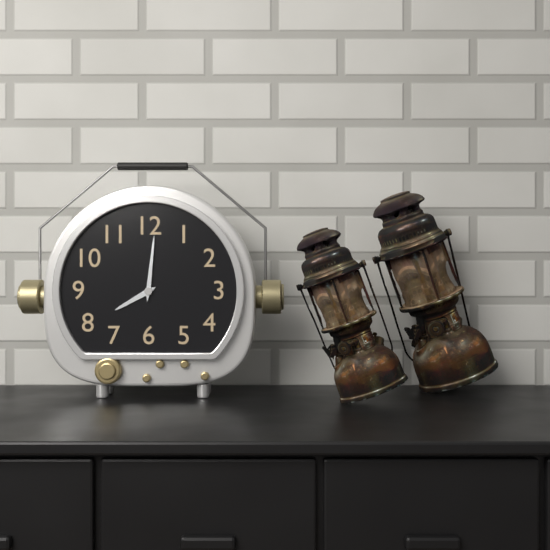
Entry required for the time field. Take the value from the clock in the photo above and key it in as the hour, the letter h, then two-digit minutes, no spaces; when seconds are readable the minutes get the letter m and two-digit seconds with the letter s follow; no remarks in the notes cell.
8h01
